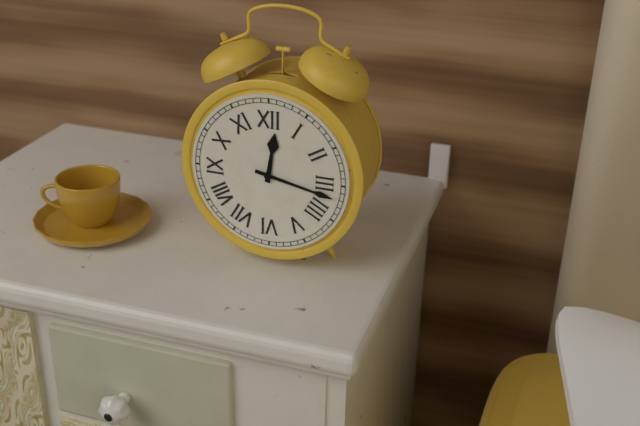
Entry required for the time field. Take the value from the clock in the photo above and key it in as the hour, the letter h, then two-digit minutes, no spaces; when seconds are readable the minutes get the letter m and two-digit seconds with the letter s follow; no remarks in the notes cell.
12h17
